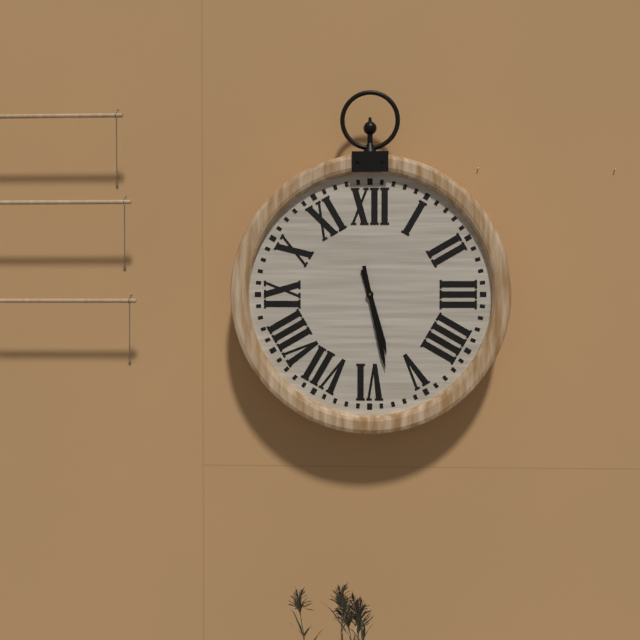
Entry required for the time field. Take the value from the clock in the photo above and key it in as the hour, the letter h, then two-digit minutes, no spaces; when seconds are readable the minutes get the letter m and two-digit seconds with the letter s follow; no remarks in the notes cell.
5h28
